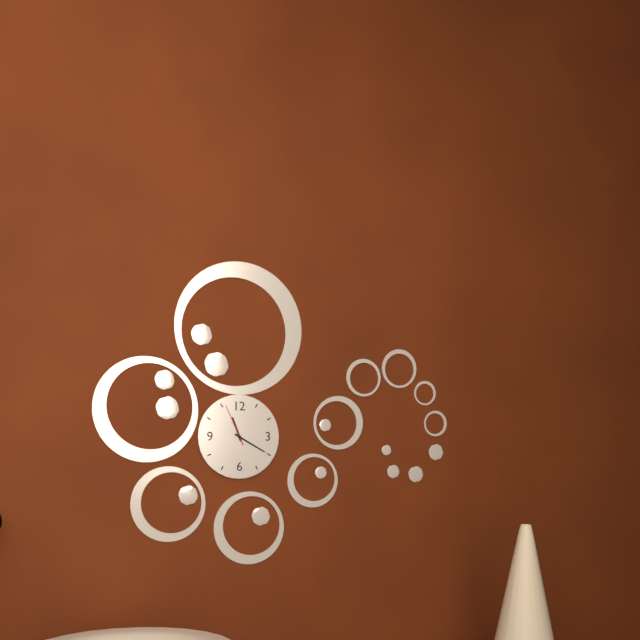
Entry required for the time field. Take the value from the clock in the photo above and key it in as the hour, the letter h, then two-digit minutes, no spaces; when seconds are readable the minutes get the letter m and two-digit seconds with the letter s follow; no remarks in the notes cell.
11h20
